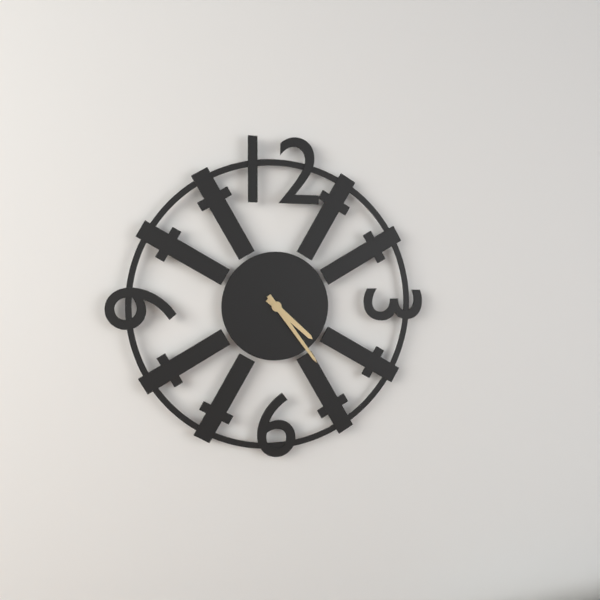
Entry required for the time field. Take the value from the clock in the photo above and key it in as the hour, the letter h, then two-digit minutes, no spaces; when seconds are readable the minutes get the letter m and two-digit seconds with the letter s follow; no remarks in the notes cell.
4h24
